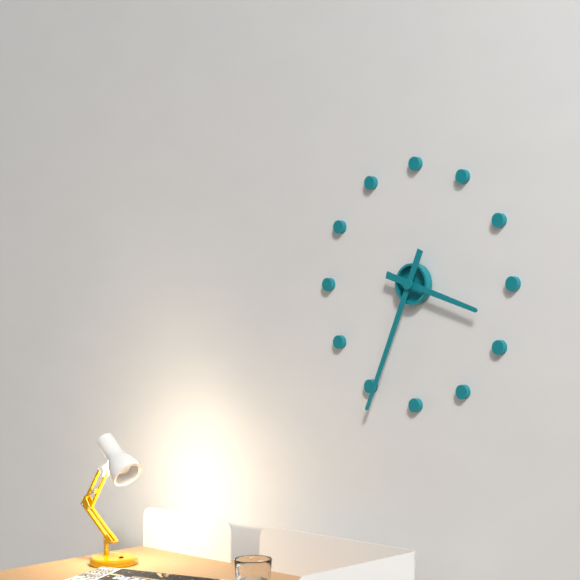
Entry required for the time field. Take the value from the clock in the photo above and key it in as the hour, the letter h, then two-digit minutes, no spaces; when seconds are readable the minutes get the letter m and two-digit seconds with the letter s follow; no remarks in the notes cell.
3h34
